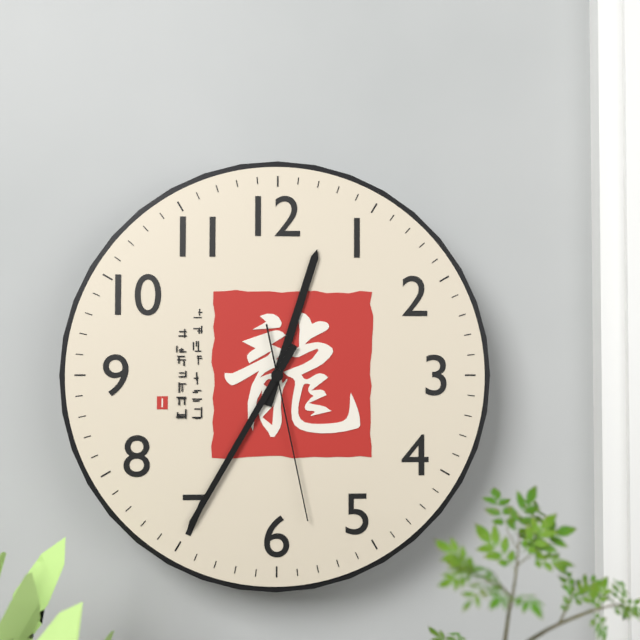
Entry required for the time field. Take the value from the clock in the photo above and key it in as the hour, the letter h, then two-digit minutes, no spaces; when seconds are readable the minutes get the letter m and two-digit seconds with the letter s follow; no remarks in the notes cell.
12h35m28s
